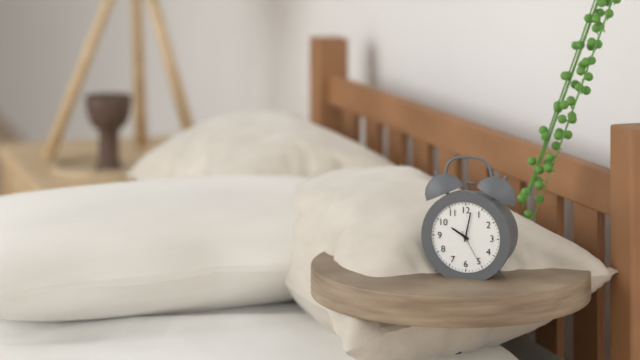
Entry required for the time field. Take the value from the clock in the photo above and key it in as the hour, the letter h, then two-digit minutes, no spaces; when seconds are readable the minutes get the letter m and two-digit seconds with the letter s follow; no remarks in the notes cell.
10h02
